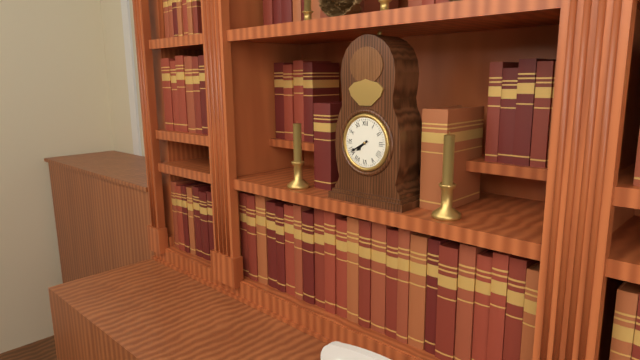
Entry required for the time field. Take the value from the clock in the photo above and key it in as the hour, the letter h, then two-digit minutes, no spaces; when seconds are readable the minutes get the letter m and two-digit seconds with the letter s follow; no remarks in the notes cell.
7h40
